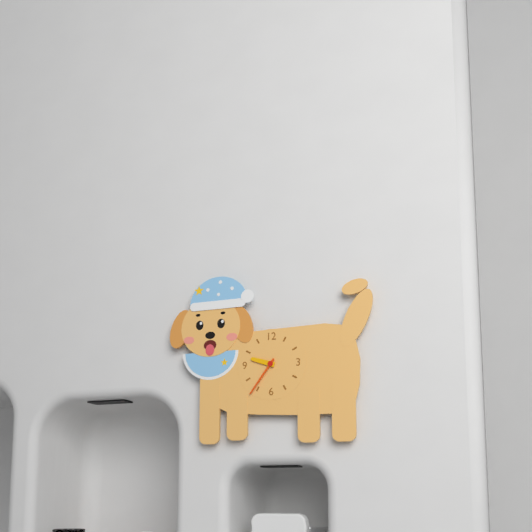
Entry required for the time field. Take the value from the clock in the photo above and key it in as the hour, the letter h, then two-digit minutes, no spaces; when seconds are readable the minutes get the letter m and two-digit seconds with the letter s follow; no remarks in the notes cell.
9h36
